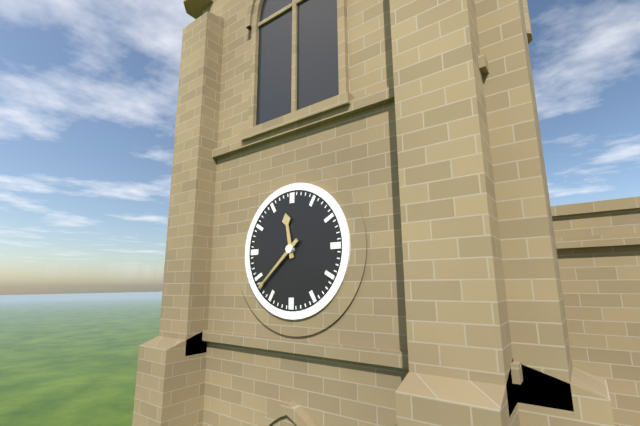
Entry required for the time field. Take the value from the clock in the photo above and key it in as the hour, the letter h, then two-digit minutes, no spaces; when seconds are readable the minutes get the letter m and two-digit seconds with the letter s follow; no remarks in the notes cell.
11h38
